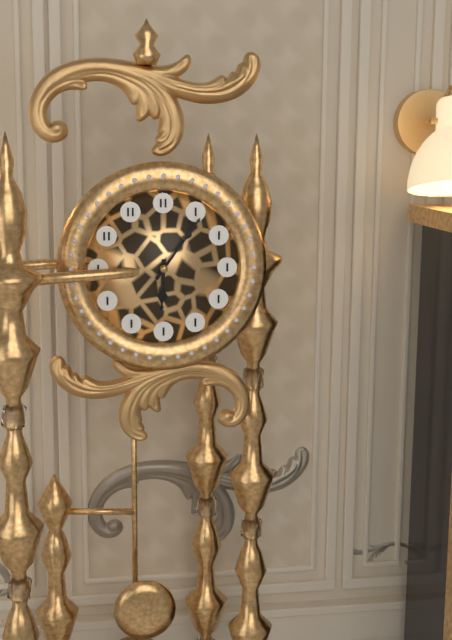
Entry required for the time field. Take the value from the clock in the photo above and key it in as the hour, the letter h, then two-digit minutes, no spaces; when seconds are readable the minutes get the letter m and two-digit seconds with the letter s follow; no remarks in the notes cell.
6h06
